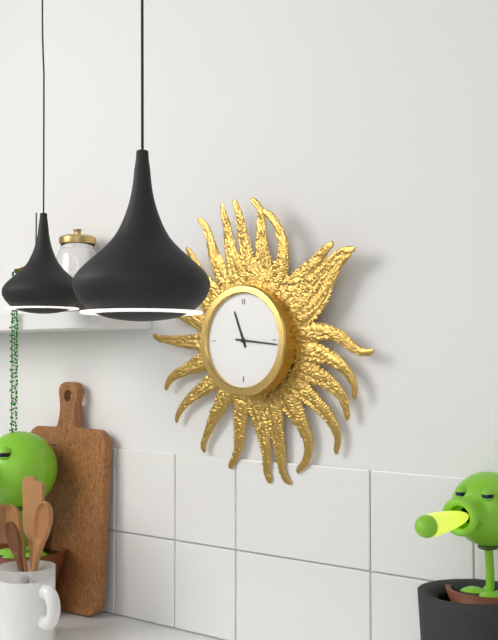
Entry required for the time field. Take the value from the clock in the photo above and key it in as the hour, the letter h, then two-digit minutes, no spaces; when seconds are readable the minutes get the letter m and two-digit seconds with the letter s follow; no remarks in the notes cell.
11h16
